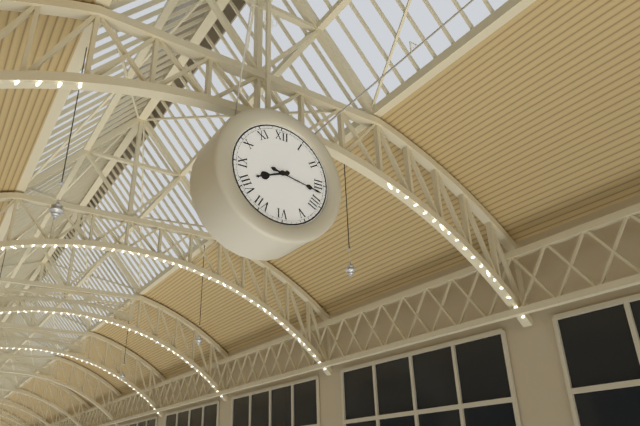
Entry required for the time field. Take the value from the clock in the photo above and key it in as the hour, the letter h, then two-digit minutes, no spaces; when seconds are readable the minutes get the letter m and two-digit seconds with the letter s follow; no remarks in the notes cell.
8h17
